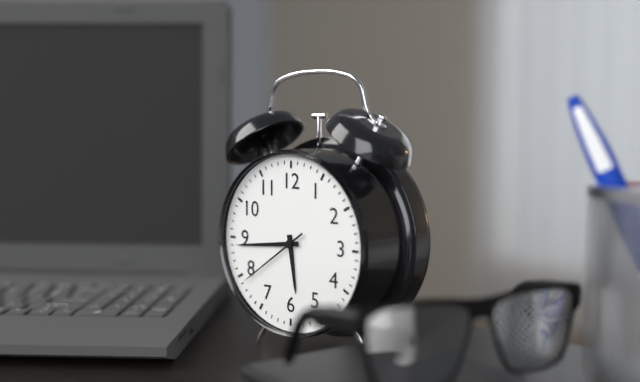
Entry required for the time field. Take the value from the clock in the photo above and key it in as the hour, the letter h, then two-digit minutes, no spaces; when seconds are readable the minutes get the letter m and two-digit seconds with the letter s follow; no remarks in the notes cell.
5h44m39s
